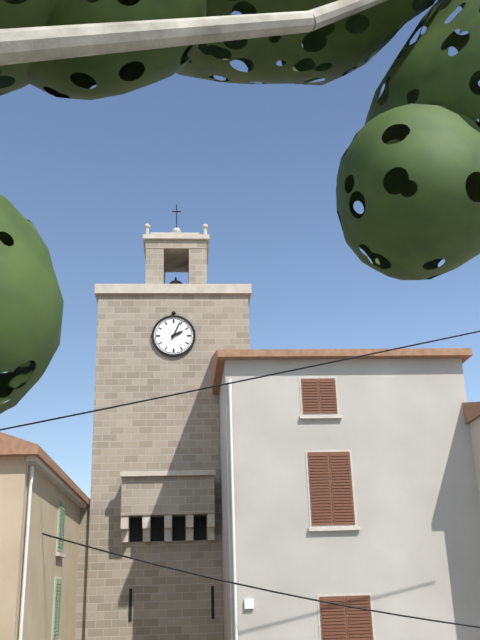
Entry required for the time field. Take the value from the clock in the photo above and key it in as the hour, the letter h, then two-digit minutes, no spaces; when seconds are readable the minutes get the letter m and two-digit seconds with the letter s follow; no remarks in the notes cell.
2h04
